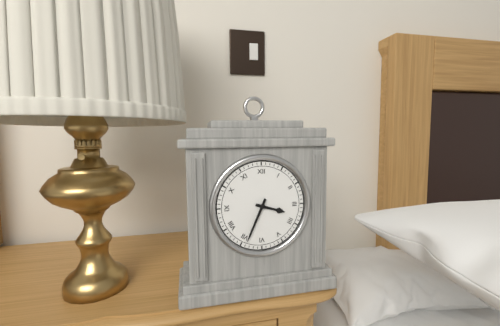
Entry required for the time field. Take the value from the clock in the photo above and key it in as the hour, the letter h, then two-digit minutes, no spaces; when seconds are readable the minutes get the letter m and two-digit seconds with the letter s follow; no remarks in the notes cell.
3h34
